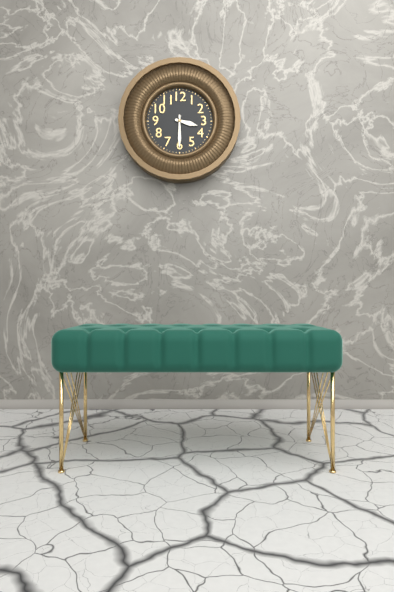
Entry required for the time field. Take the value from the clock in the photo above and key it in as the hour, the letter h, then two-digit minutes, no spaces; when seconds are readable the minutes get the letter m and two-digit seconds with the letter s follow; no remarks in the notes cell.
3h30
